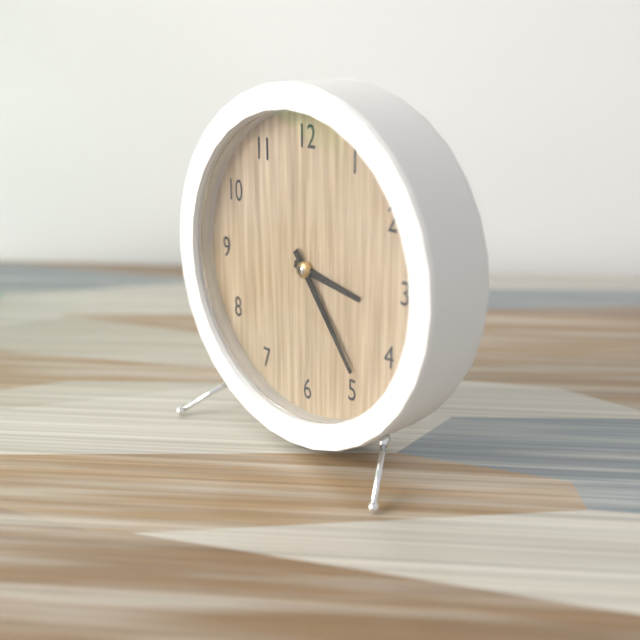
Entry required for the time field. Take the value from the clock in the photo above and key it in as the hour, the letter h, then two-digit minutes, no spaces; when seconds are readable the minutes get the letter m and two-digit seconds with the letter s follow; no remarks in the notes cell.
3h24
